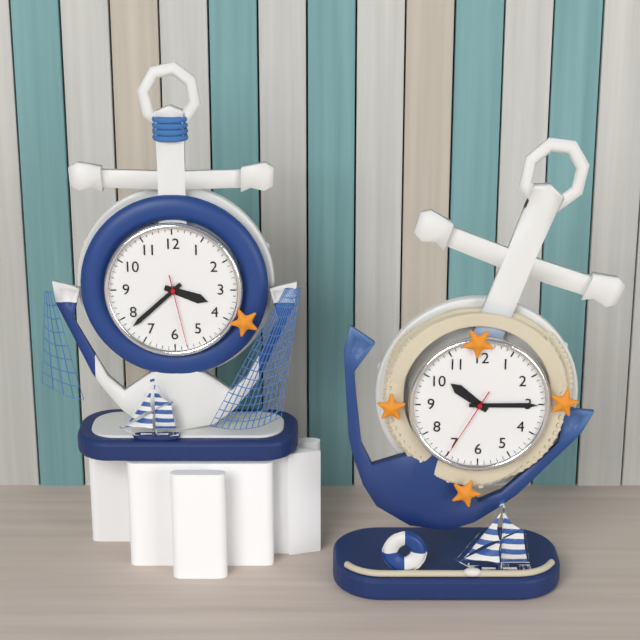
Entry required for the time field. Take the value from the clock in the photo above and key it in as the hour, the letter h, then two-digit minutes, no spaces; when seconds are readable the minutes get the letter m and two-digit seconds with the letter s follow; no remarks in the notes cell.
3h38m28s
